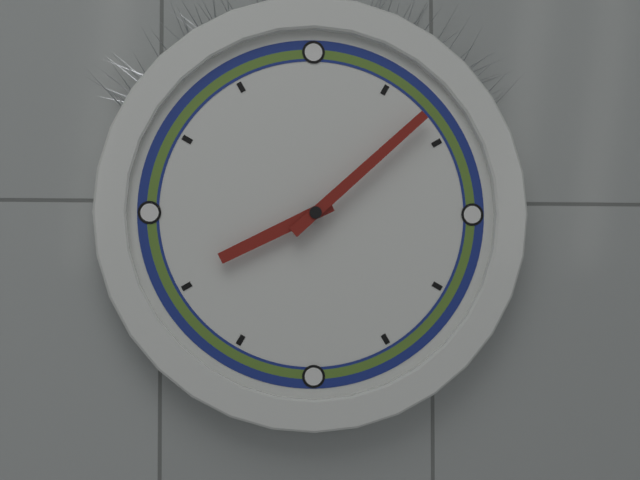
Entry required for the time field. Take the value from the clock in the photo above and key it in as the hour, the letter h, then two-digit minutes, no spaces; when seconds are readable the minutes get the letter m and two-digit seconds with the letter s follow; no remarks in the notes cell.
8h08
